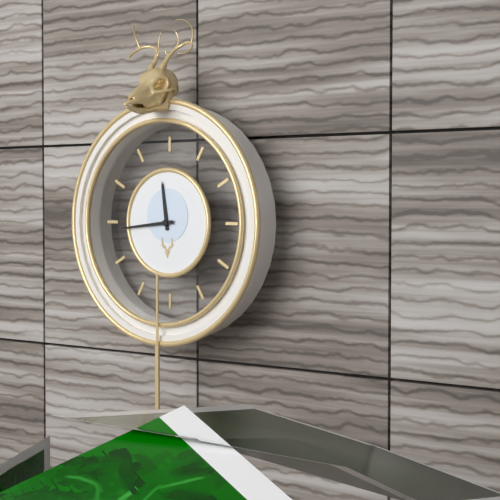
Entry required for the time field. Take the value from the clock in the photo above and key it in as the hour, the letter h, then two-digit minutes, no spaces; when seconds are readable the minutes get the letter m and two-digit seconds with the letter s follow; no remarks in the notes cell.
11h44
